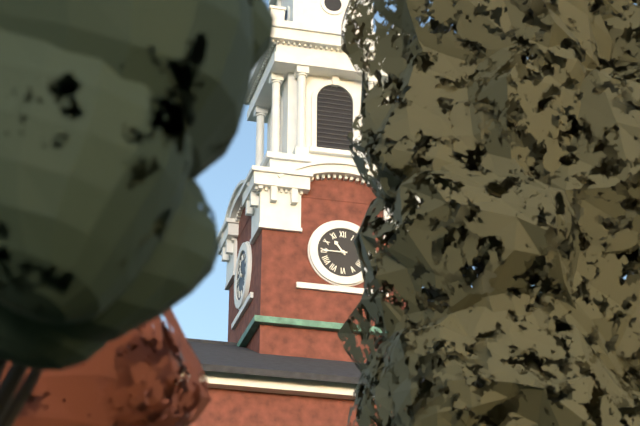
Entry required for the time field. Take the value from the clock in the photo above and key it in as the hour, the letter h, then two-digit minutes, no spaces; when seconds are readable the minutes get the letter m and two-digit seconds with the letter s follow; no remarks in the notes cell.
10h45
